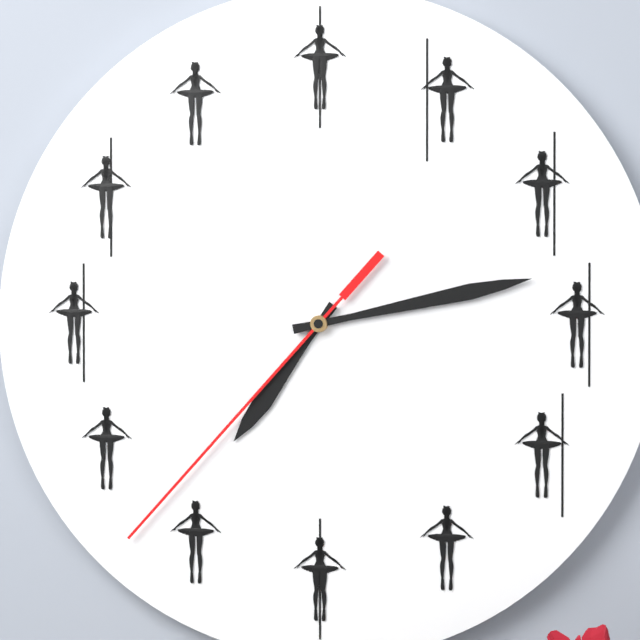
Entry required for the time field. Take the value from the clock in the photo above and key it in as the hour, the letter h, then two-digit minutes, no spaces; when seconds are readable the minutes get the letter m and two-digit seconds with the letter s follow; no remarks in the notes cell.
7h13m37s
